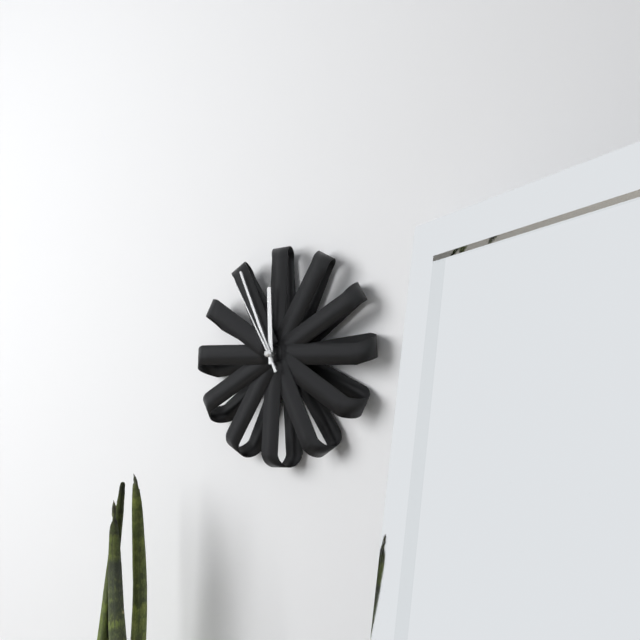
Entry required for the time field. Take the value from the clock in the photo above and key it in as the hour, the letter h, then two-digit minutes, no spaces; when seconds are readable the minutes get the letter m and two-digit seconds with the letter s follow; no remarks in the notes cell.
11h56m55s
